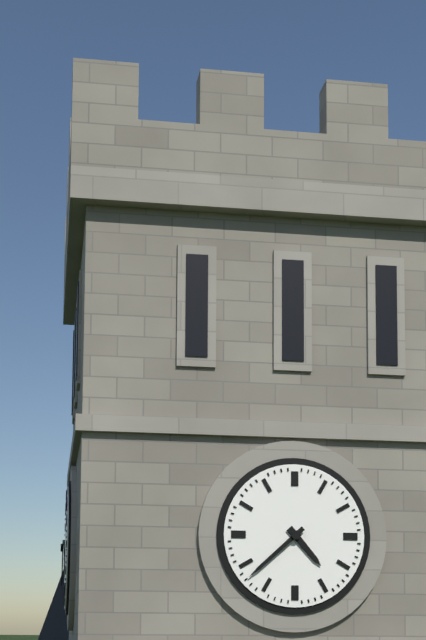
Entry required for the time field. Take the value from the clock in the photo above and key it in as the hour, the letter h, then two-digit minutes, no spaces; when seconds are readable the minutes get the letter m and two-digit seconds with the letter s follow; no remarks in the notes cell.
4h38
